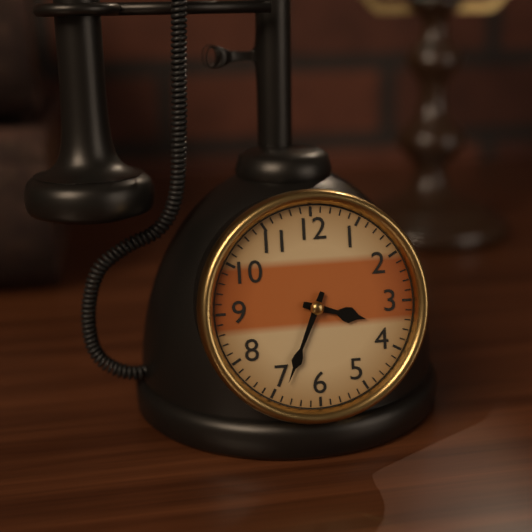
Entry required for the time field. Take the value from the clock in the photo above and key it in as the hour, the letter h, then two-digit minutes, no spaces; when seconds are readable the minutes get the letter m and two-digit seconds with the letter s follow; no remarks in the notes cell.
3h34
